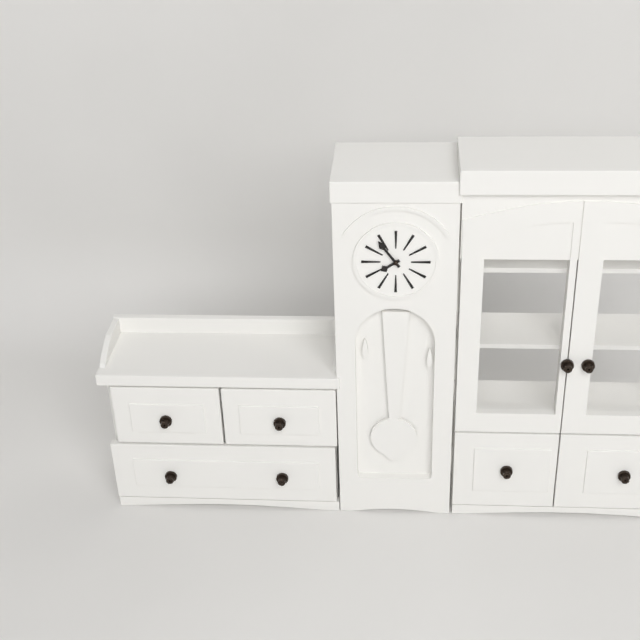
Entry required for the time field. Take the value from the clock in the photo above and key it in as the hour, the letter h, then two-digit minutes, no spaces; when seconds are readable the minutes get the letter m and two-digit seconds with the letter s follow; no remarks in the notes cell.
7h54
